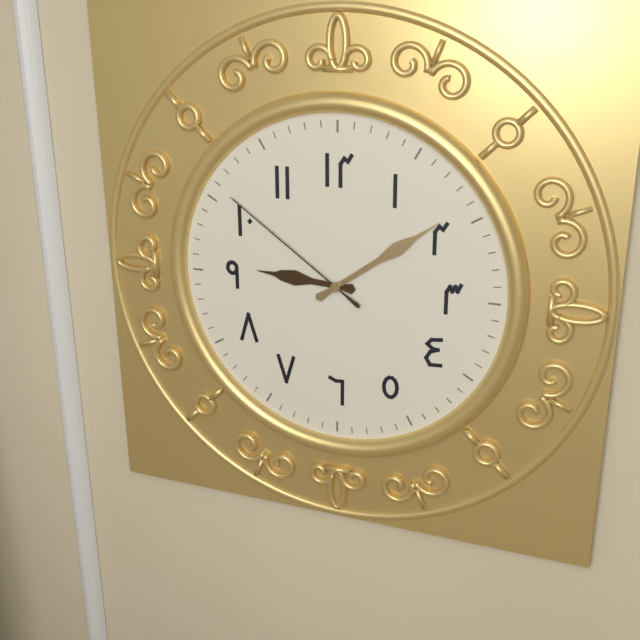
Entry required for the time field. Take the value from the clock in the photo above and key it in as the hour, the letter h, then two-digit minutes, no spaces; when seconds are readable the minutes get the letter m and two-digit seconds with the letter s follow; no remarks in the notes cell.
9h09m51s
